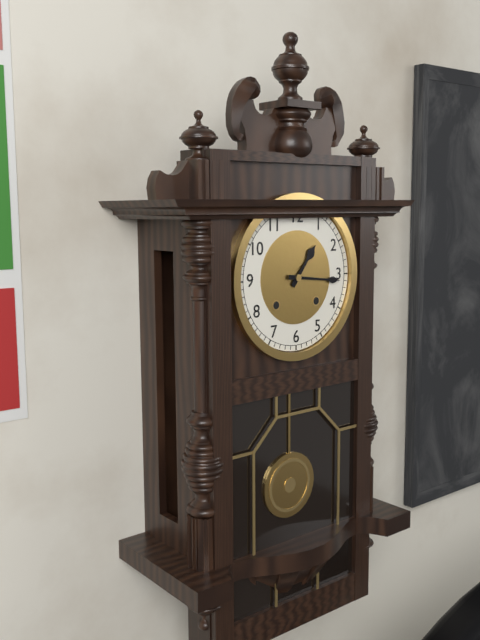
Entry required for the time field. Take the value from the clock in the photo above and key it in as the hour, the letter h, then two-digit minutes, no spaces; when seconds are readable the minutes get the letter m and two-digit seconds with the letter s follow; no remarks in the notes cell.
1h16
